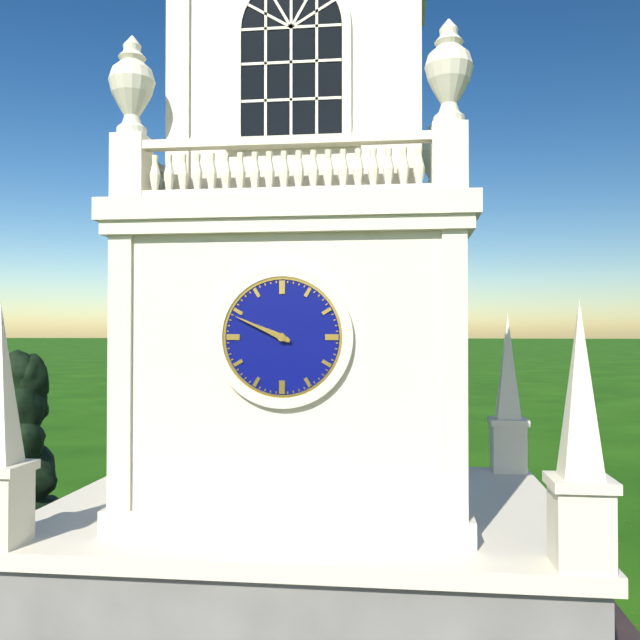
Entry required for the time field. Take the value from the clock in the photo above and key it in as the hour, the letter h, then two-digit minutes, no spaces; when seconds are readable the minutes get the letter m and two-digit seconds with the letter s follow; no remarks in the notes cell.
9h49
